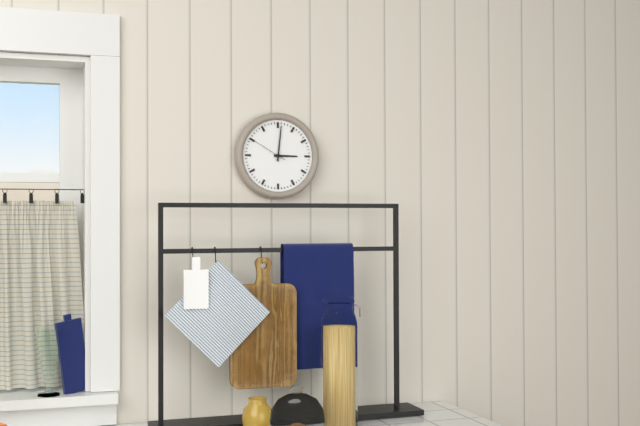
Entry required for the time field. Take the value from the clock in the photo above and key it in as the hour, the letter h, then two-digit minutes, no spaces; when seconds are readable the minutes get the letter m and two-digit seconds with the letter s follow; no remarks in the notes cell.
3h01
